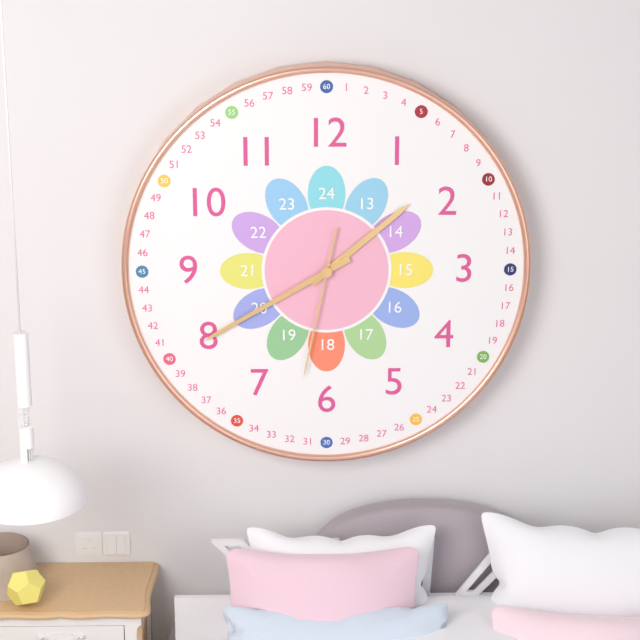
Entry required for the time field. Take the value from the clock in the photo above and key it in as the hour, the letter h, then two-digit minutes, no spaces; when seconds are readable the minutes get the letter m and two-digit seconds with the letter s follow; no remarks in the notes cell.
1h40m32s
